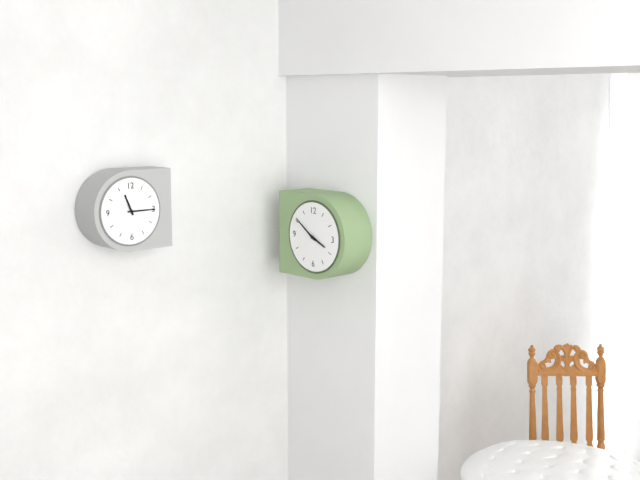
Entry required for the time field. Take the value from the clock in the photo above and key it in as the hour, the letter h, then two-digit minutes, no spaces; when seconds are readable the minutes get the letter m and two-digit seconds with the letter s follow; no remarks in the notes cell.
3h51
